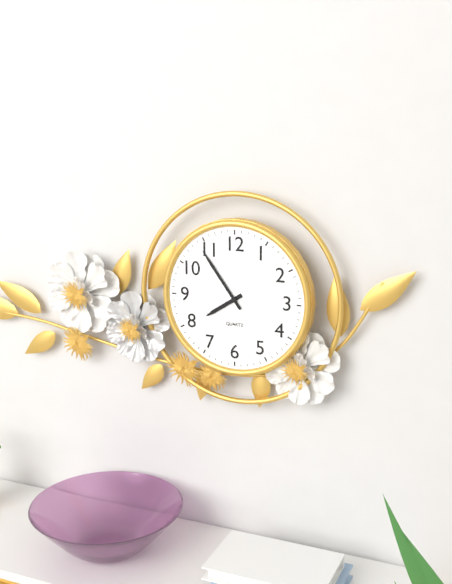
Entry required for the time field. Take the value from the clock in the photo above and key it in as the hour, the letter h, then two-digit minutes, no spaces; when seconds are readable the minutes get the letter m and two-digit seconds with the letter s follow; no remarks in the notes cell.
7h54
